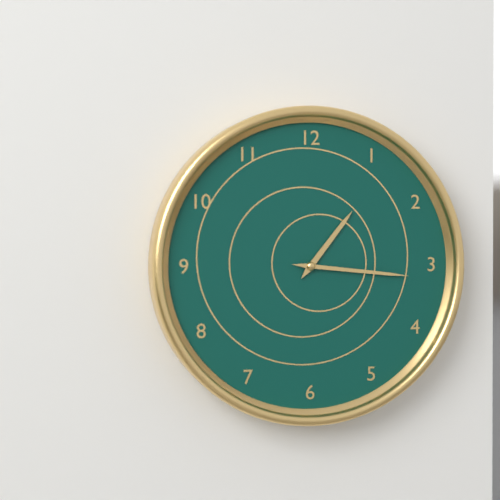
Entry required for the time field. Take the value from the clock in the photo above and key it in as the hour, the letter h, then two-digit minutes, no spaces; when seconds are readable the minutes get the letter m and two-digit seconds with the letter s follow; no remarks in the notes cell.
1h16
